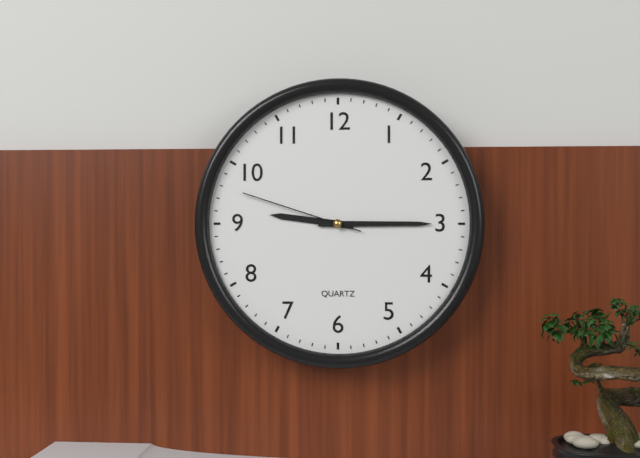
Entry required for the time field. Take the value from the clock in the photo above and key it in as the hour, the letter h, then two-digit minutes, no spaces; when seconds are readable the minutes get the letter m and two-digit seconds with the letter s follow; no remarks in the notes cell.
9h15m48s
